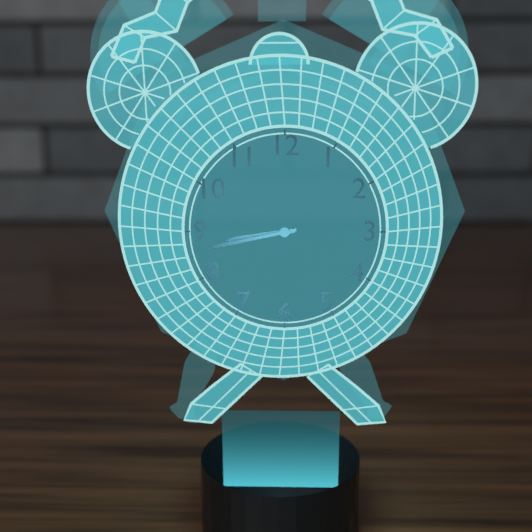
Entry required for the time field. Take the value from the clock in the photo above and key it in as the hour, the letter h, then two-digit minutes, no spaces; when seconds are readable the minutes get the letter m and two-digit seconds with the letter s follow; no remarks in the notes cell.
8h43
